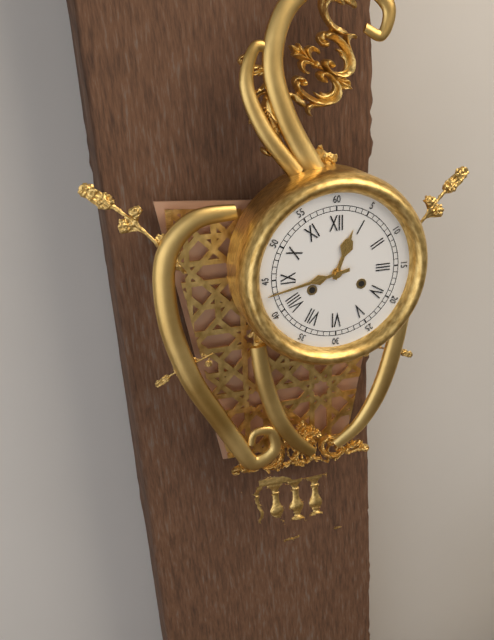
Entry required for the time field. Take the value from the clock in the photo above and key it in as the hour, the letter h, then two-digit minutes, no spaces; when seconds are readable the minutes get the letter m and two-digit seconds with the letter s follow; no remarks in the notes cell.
12h43
